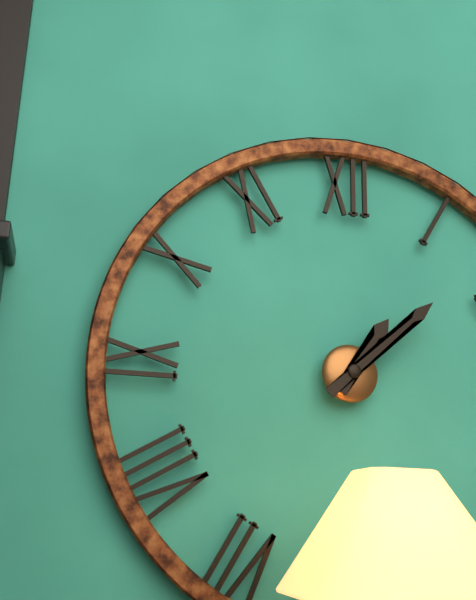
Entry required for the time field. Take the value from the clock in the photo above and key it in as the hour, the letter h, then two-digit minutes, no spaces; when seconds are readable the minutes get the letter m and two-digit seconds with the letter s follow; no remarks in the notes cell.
1h08
